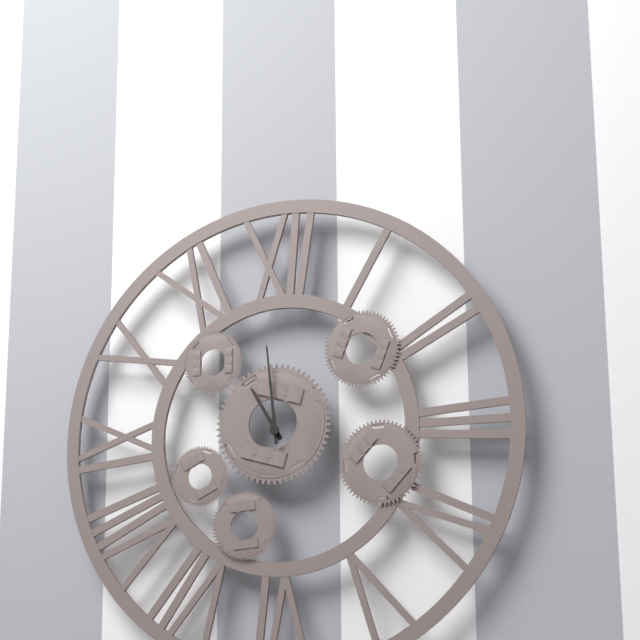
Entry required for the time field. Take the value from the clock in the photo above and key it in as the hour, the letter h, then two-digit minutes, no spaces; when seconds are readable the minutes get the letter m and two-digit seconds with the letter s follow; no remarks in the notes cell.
10h59
